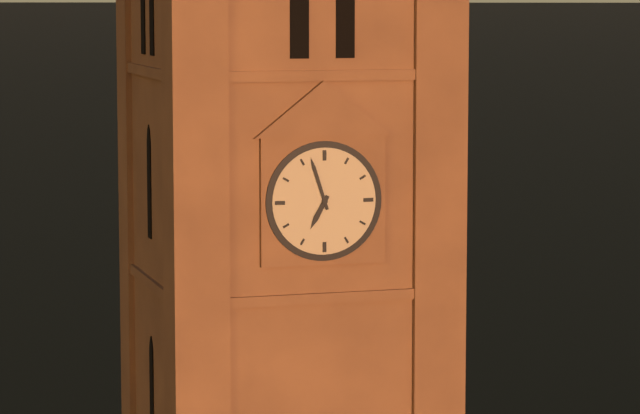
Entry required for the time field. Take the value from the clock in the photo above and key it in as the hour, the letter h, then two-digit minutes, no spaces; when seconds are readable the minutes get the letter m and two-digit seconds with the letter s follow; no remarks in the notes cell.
6h57
